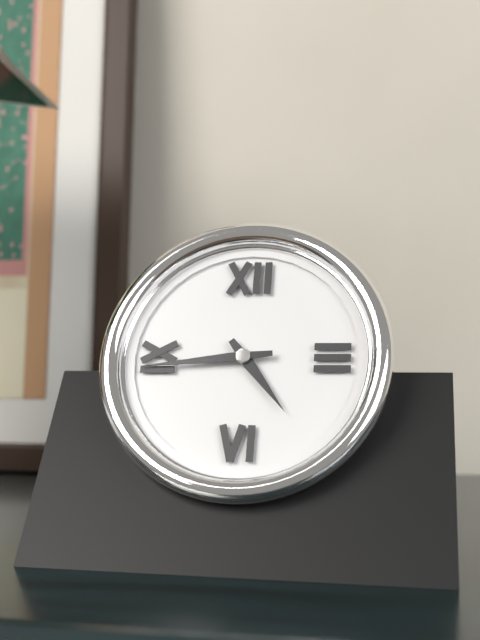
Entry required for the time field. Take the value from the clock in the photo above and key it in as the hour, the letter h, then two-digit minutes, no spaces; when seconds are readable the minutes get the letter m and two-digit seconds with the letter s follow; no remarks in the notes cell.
4h44
